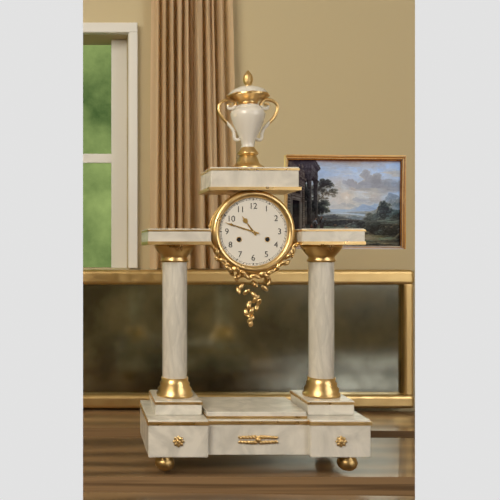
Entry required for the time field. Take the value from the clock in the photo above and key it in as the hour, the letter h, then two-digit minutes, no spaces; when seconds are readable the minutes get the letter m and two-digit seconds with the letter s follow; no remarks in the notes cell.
10h48
